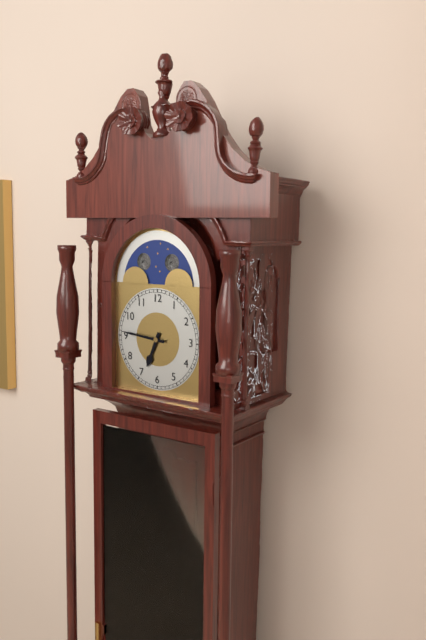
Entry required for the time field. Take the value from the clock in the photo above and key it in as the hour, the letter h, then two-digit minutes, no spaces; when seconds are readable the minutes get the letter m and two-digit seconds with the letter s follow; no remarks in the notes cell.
6h46
